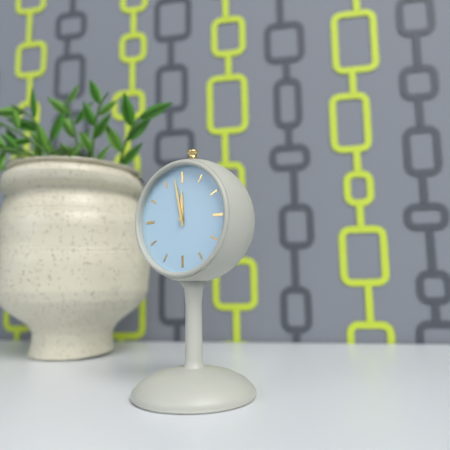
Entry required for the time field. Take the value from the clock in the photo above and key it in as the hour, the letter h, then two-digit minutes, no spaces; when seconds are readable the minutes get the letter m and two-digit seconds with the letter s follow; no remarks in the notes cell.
11h58
